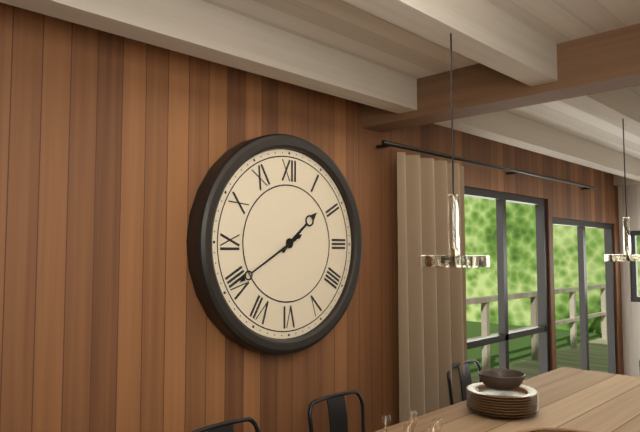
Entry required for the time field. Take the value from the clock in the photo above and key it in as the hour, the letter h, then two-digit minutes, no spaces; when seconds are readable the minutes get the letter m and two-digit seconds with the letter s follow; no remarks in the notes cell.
1h40
